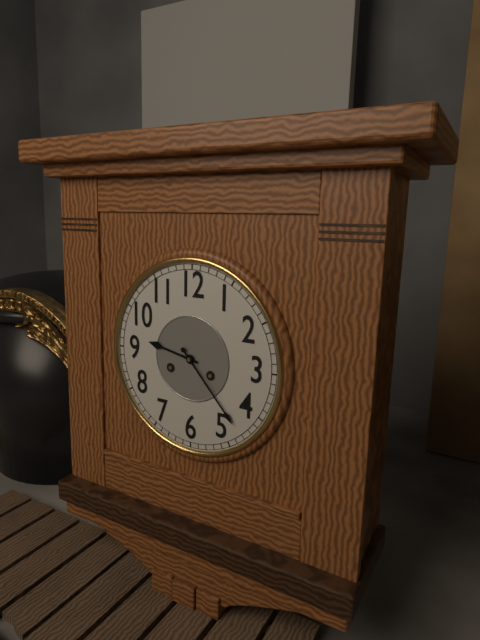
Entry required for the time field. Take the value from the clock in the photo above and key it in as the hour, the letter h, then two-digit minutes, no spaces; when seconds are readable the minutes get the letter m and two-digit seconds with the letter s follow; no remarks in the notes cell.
9h23
